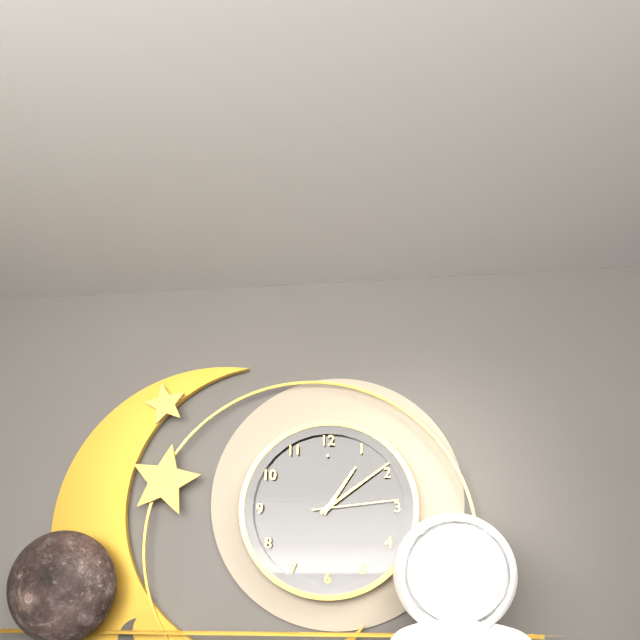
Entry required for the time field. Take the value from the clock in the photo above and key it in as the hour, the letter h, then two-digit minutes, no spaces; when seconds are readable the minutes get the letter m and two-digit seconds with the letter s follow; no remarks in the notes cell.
1h09m14s
